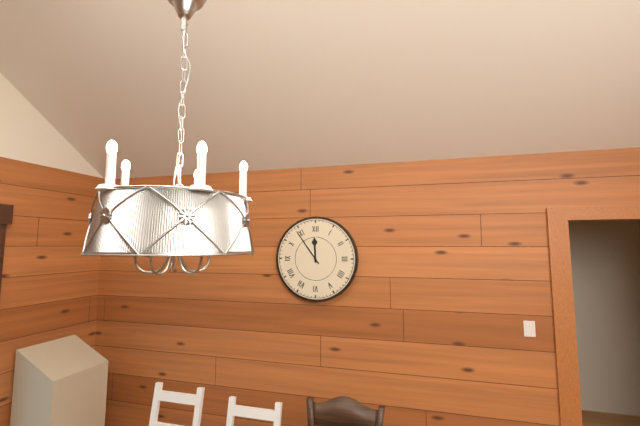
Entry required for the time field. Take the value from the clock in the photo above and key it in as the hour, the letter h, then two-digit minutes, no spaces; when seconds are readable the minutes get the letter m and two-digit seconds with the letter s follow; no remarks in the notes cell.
11h54
